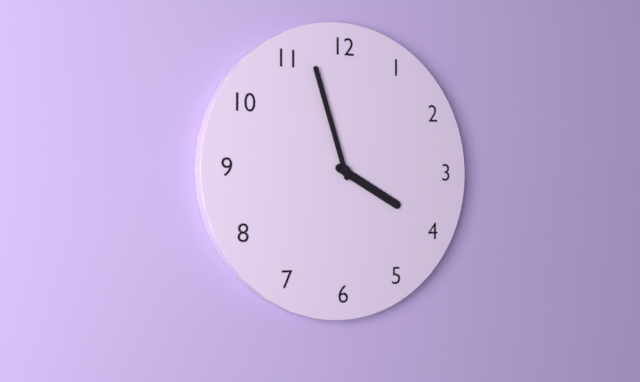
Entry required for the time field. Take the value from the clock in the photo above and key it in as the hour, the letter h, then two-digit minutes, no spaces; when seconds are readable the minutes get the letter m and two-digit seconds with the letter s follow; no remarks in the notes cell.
3h57
